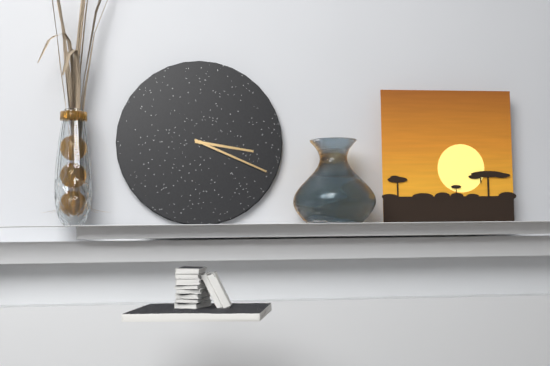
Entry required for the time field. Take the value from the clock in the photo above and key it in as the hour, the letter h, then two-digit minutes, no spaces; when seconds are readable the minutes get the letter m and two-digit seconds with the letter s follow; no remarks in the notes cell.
3h19
